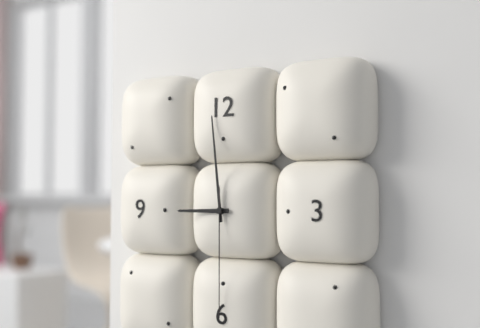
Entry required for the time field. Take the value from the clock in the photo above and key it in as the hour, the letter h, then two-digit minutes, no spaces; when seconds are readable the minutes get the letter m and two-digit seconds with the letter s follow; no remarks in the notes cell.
8h59m30s
